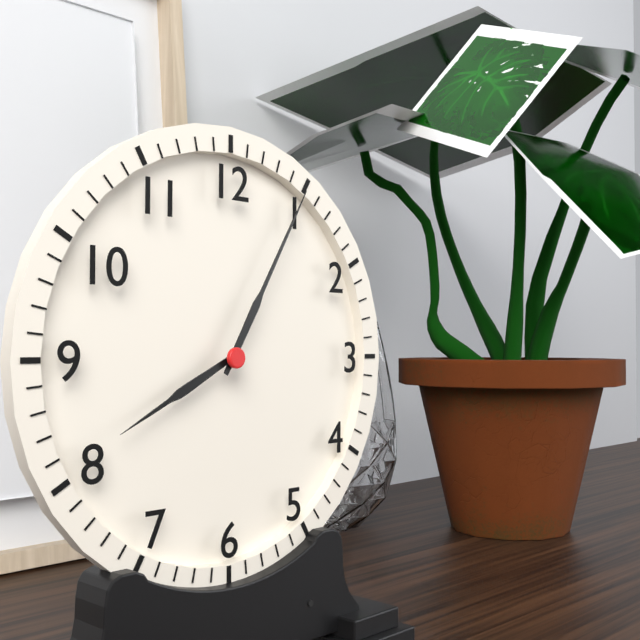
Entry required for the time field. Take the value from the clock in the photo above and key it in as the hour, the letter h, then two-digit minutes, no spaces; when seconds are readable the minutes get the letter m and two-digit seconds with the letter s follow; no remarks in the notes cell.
8h05
